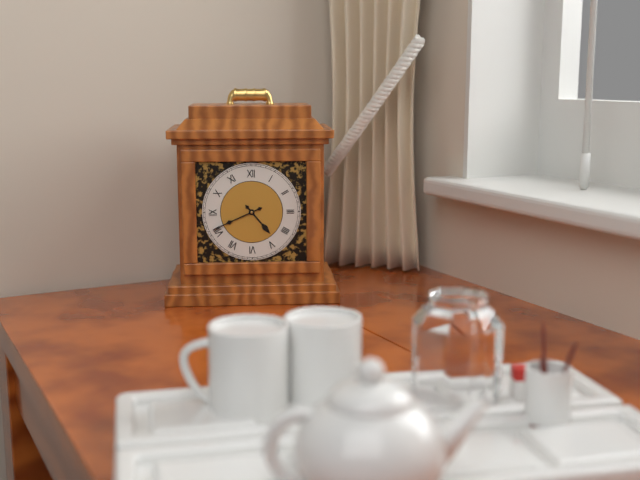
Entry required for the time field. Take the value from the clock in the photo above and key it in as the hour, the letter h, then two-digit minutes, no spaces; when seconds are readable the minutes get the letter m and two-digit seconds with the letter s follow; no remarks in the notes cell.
4h41
